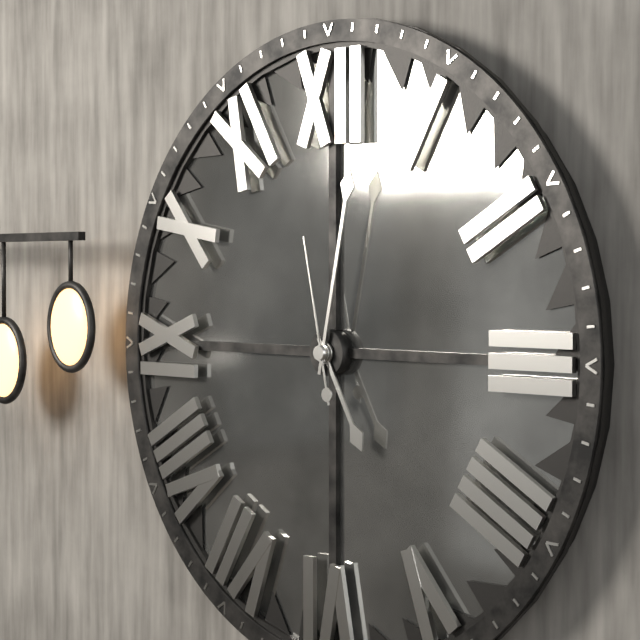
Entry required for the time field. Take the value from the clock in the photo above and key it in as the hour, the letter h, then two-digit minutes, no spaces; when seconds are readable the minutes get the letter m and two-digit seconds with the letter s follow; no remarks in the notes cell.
5h02m58s
